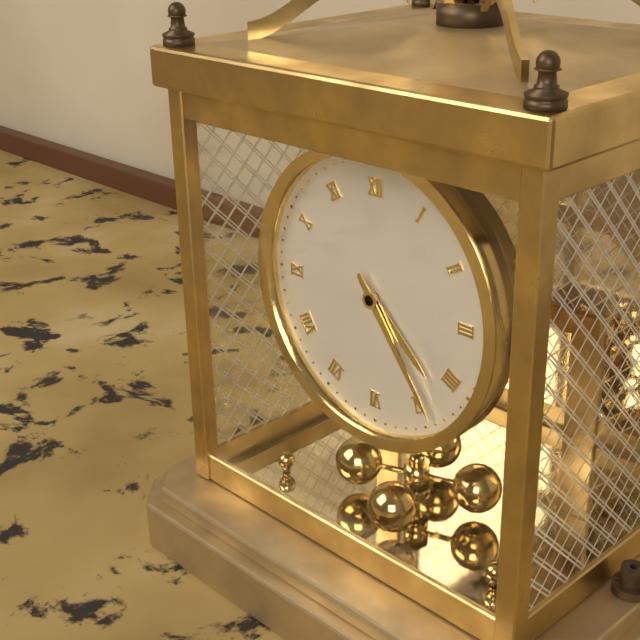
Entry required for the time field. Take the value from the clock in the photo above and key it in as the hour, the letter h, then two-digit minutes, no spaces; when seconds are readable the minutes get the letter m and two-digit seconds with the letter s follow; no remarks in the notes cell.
4h24
